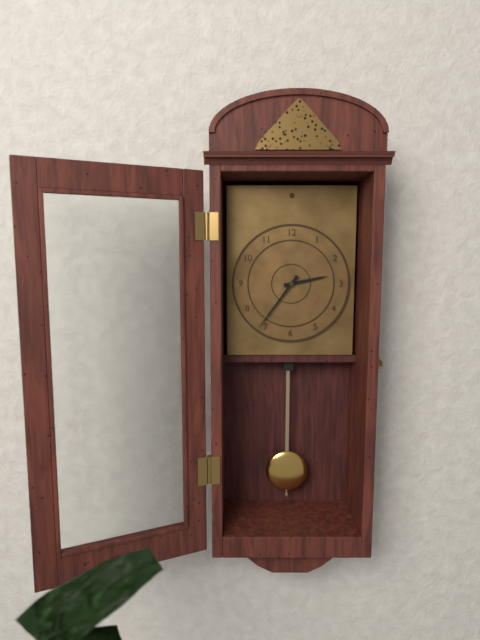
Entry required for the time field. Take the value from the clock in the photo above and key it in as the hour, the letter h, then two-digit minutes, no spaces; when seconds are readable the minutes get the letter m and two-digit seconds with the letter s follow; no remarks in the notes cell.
2h36
